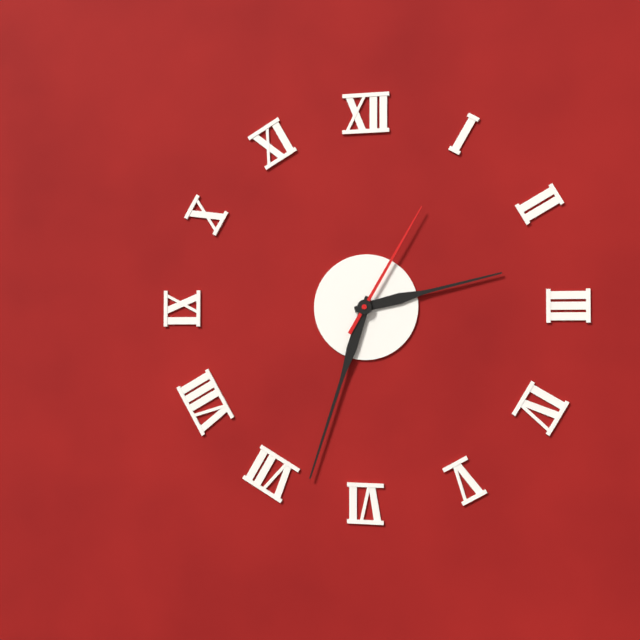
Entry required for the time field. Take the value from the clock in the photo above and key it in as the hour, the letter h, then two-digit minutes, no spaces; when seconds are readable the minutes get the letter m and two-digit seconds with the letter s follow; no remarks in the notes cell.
2h33m05s
